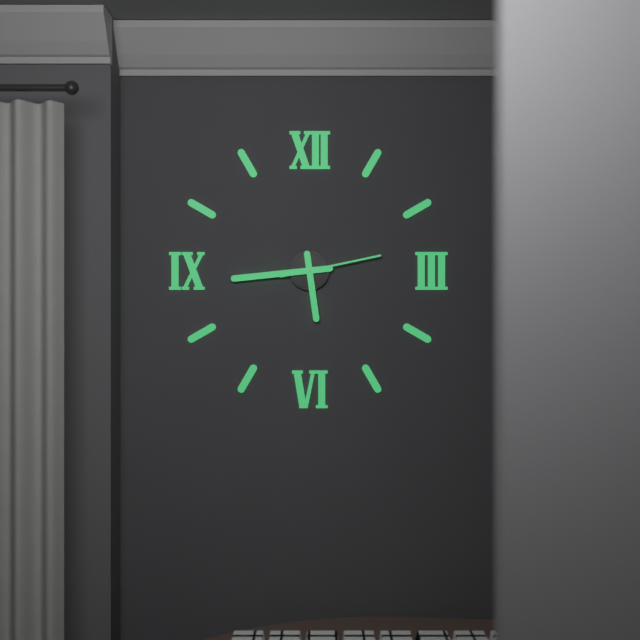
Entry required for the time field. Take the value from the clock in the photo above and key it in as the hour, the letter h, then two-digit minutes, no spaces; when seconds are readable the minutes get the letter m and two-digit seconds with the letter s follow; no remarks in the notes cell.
5h44m13s
